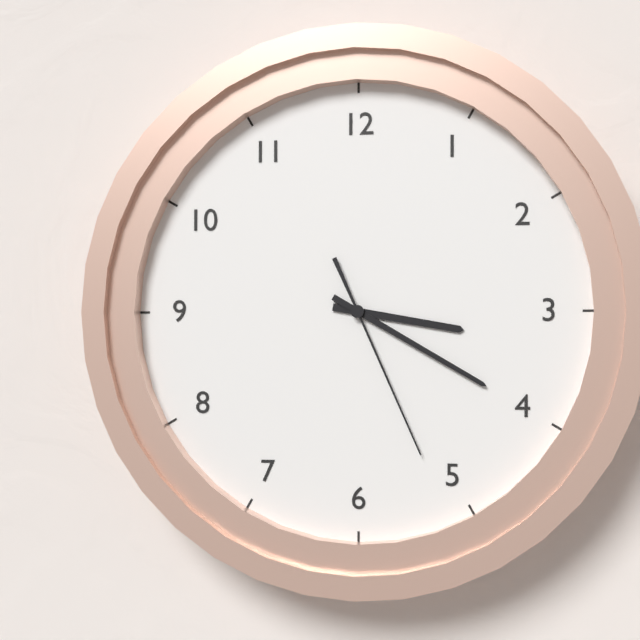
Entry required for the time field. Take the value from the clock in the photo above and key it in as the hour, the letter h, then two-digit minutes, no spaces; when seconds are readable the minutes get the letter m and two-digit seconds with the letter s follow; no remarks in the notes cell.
3h20m26s
